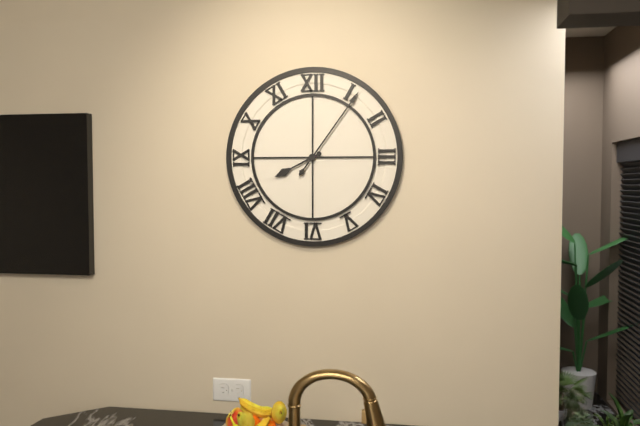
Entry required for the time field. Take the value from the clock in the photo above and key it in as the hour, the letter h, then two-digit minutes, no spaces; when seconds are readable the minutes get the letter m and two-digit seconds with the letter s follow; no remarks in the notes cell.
8h06
